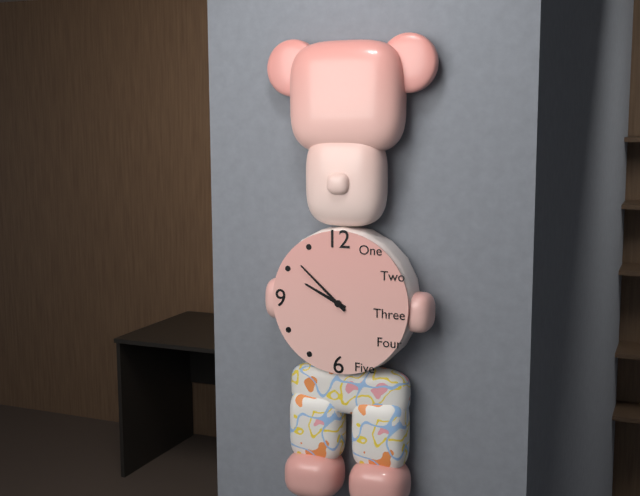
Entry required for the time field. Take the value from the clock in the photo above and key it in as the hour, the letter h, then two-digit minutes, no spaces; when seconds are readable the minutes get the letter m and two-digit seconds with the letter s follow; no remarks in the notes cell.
9h52
